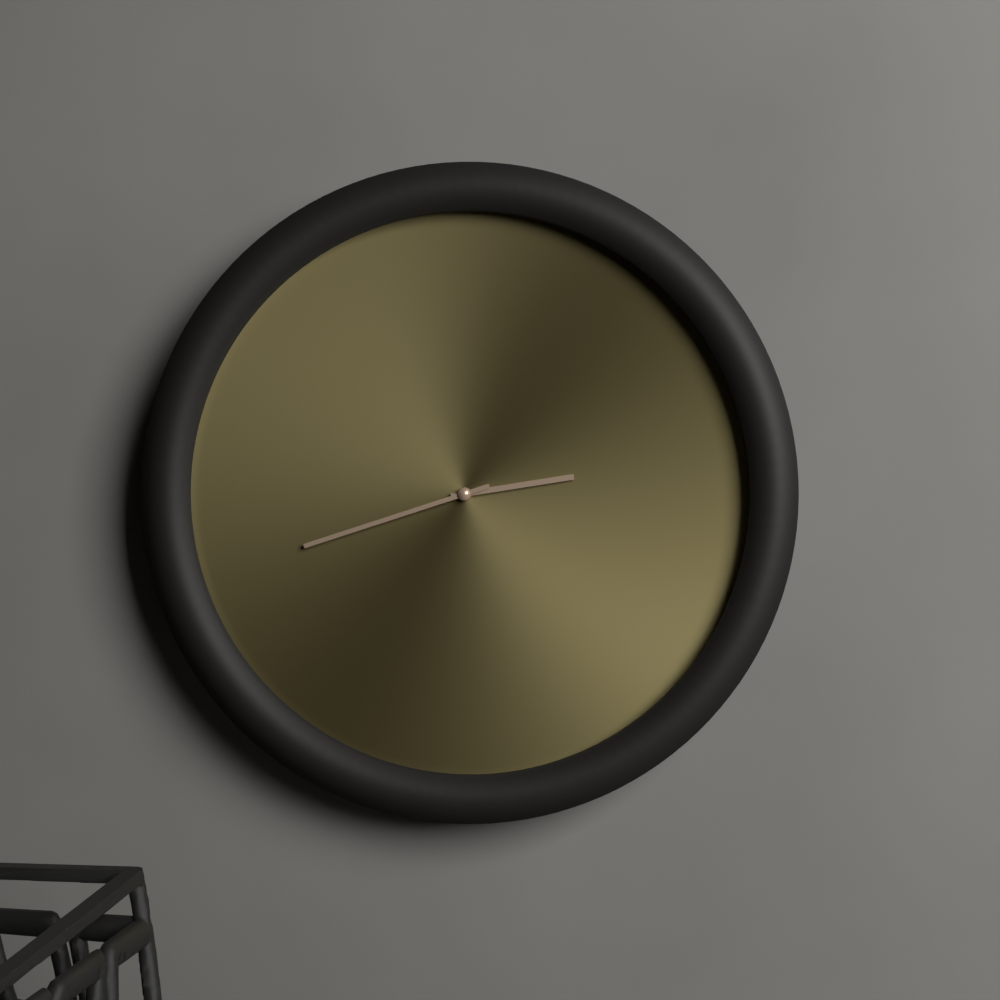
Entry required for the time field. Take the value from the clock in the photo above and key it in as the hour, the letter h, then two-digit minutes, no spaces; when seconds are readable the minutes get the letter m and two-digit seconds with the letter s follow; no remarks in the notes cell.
2h42
